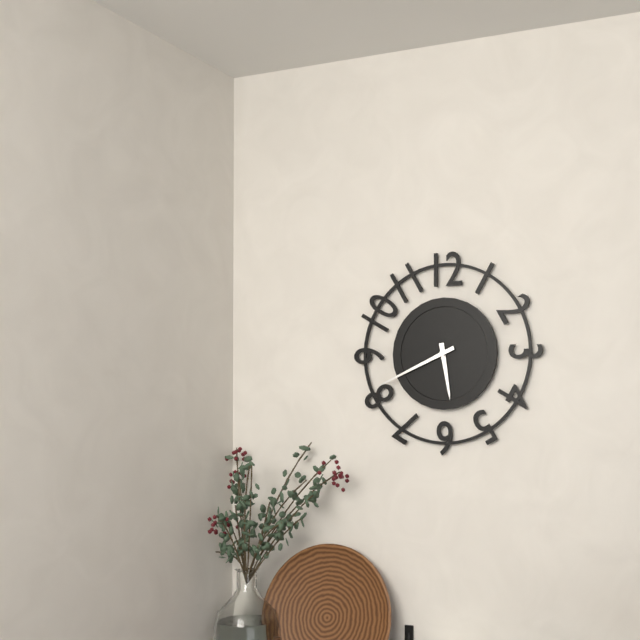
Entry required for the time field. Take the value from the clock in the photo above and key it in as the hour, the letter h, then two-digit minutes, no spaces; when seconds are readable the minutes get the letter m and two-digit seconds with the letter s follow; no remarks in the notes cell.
5h41
